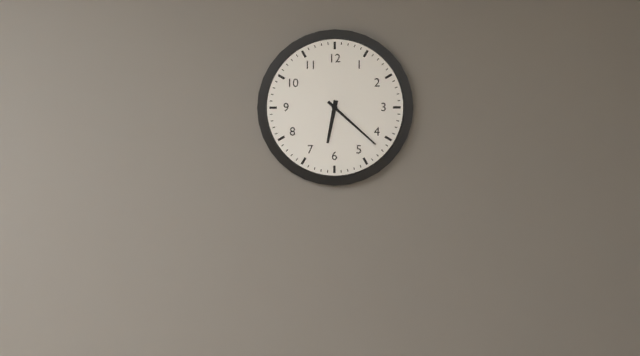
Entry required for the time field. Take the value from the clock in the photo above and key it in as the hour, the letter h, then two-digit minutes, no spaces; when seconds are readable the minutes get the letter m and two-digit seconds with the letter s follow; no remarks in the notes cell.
6h22
